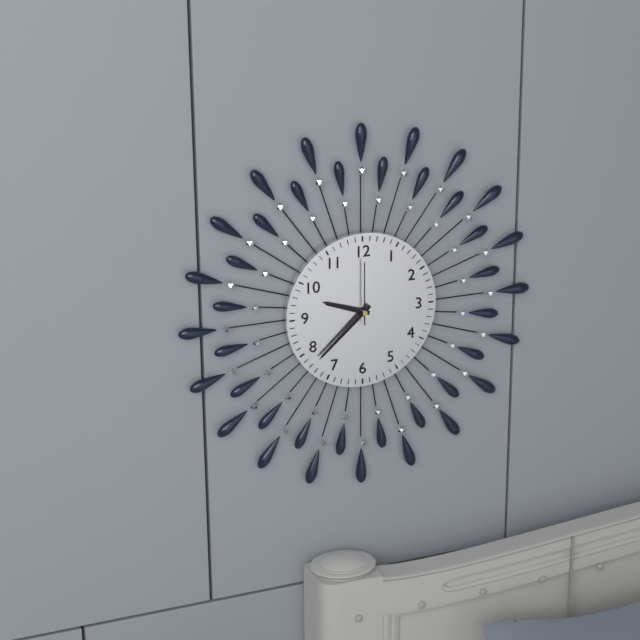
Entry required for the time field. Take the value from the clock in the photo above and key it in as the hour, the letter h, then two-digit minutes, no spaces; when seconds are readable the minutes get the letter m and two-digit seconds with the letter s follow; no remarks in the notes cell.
9h38m00s
